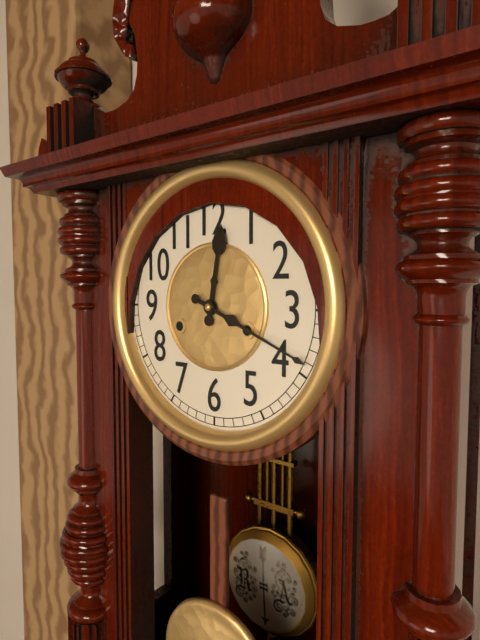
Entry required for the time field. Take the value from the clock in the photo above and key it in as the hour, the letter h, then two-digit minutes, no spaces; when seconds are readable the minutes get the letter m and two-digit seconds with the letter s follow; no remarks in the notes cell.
12h19
